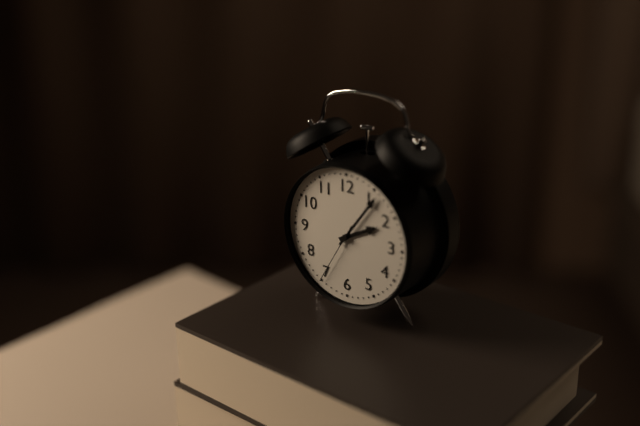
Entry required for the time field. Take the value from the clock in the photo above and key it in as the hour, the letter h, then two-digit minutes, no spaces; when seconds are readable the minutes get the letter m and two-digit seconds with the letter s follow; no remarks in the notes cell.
2h06m35s
